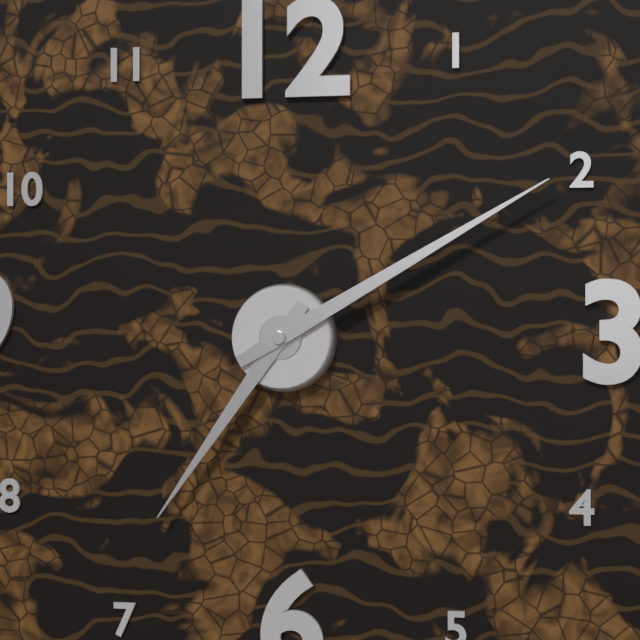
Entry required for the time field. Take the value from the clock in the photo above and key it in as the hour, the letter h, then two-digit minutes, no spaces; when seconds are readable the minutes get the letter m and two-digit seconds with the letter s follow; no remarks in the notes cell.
7h10
